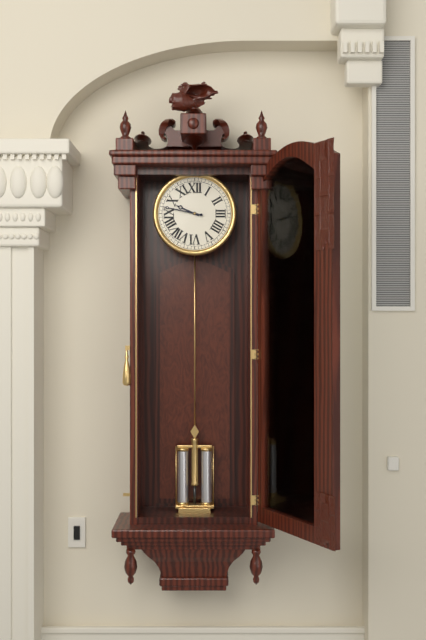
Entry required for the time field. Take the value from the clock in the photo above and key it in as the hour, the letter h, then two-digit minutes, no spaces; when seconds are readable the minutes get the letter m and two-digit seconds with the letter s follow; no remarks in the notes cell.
9h47
